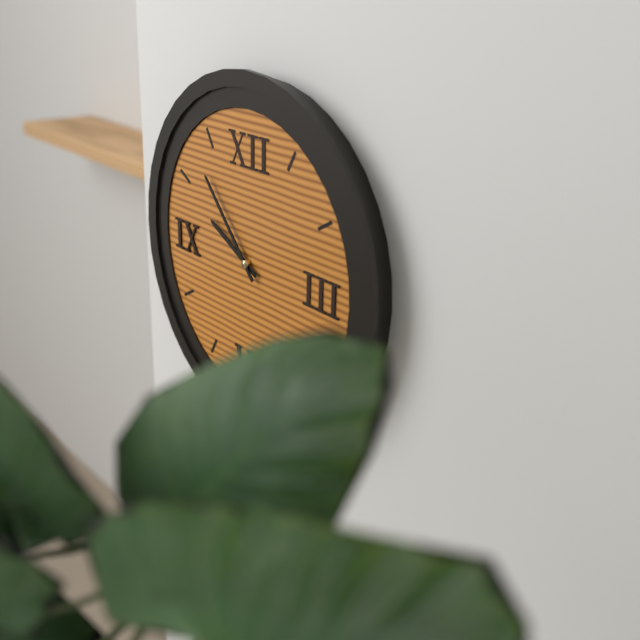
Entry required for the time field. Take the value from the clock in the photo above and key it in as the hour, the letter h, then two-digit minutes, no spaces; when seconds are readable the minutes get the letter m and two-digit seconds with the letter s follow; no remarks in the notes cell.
9h53
